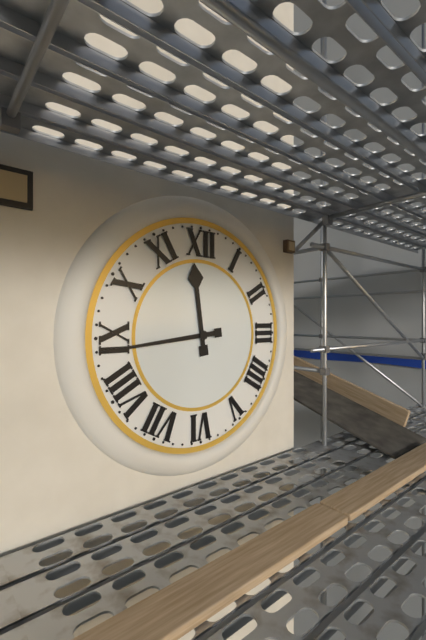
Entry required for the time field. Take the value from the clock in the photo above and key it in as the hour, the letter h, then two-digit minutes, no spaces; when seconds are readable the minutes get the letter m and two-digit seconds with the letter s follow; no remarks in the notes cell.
11h44
